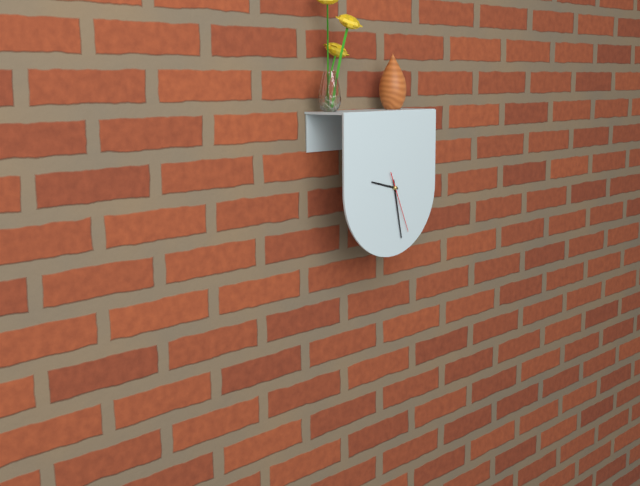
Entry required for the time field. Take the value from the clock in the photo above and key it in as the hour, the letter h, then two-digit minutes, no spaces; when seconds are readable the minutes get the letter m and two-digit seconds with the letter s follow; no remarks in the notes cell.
9h28m26s
